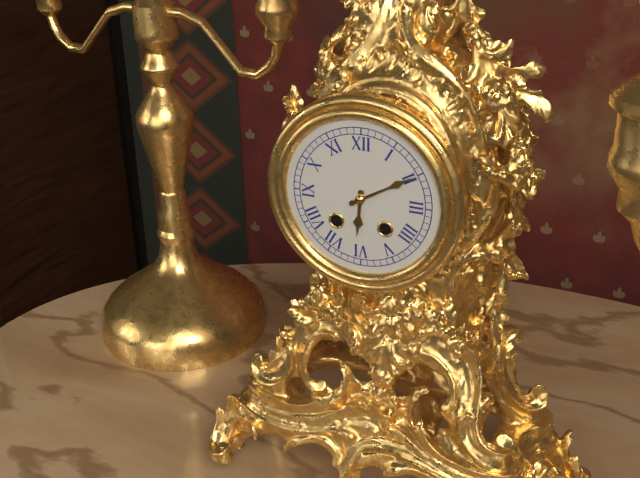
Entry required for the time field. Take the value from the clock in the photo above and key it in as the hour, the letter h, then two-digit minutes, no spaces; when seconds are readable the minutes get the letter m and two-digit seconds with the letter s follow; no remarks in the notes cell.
6h10
